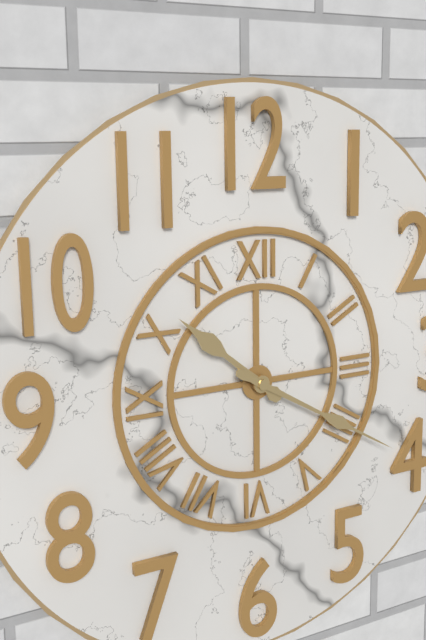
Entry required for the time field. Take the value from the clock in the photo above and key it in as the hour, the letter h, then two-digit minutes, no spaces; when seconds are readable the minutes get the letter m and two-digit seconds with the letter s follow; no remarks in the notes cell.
10h20
